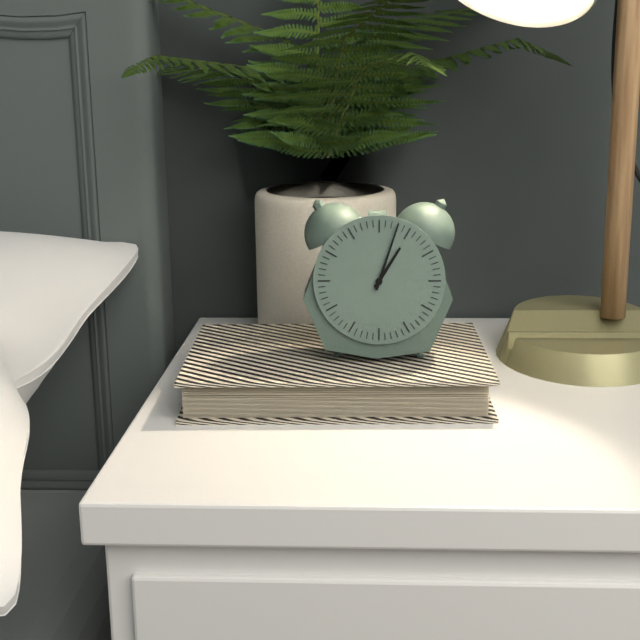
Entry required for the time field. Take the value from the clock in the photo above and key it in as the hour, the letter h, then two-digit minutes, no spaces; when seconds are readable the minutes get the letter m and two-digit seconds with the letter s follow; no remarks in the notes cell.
1h03
